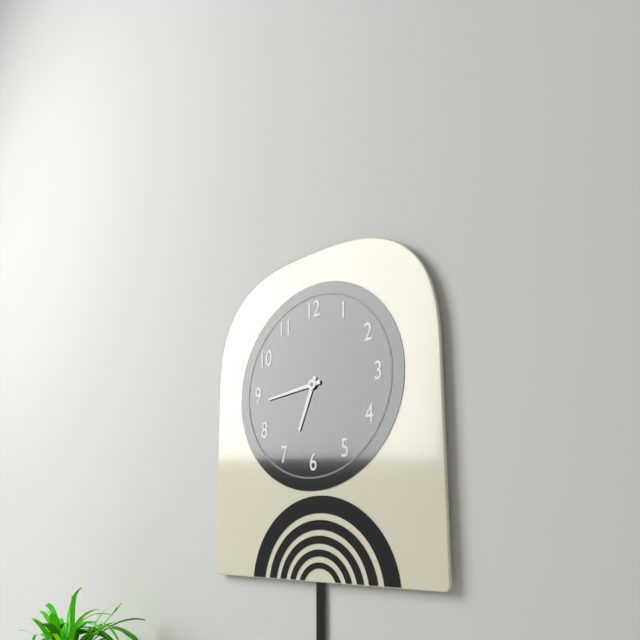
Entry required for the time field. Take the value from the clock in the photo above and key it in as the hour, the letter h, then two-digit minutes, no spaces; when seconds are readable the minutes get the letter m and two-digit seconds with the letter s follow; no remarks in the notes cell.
6h44
